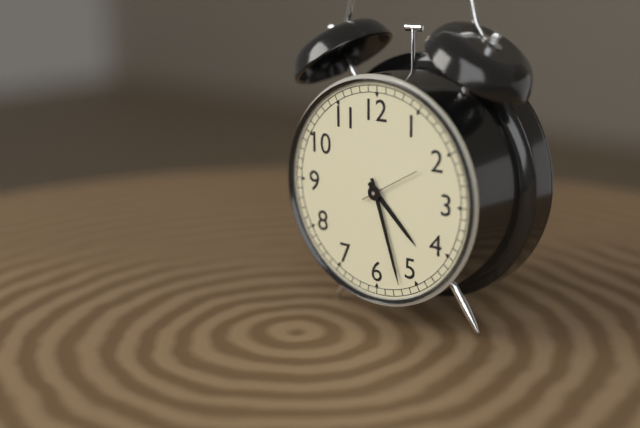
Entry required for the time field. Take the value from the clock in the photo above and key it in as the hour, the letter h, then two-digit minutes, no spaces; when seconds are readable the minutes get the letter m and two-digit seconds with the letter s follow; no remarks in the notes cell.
4h27m10s
